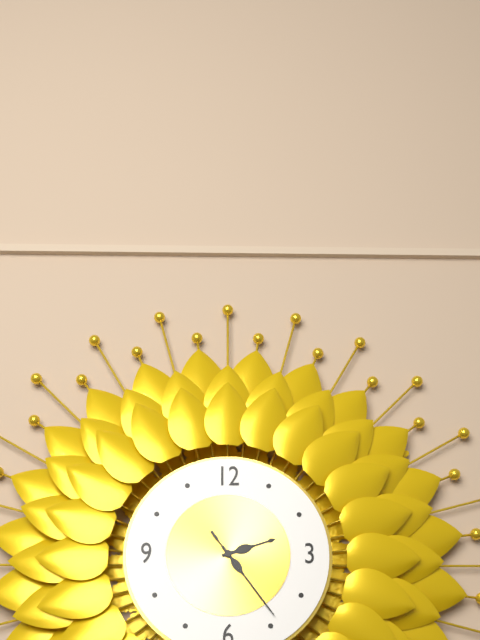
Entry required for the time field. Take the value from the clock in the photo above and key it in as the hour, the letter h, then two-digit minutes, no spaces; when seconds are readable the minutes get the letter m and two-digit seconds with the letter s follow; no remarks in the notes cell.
2h24m24s
